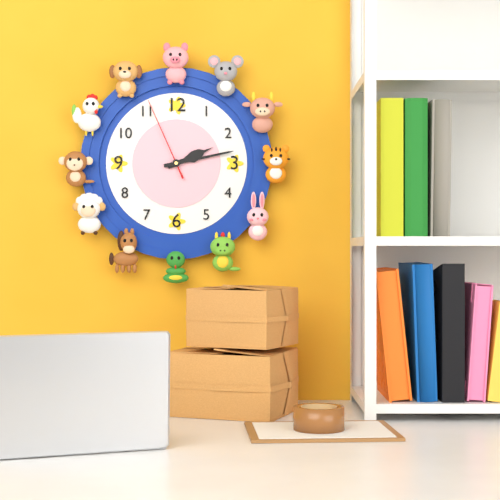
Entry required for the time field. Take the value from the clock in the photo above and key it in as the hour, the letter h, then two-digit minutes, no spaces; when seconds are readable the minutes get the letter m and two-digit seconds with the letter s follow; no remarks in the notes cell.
2h13m56s
